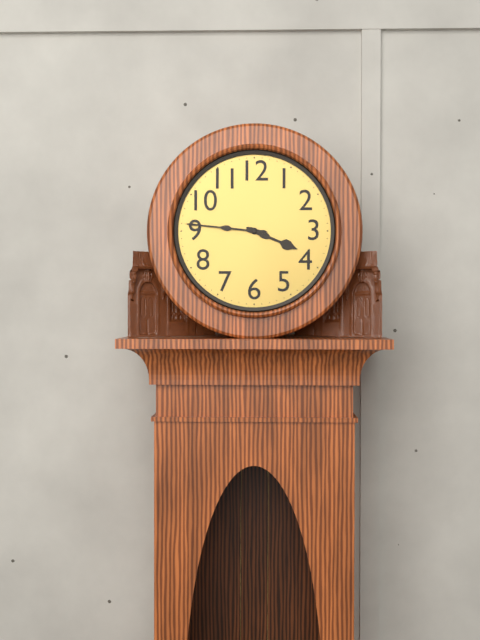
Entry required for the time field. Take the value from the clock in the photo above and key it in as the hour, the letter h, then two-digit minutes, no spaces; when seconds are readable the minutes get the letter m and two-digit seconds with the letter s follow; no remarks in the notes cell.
3h46
